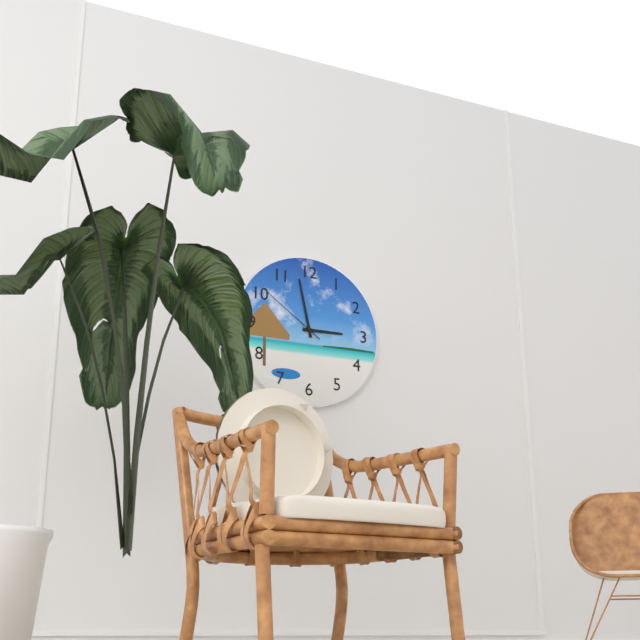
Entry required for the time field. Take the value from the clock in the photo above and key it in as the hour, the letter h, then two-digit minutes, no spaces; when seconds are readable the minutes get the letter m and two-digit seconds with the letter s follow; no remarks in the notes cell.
2h58m51s
